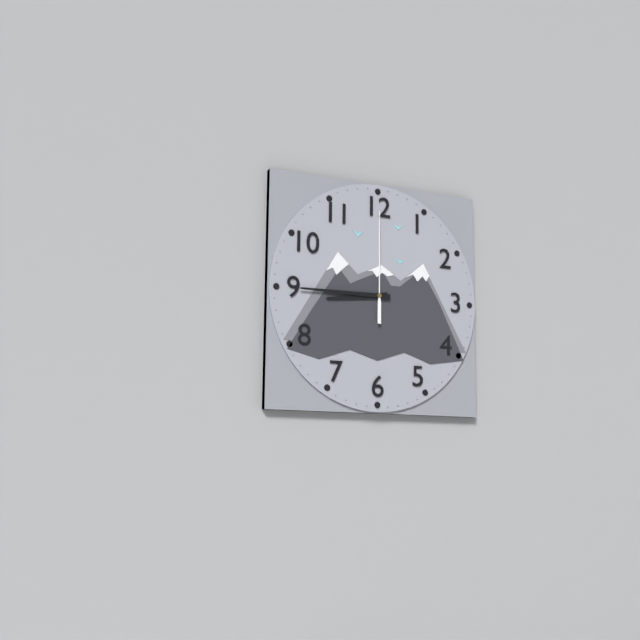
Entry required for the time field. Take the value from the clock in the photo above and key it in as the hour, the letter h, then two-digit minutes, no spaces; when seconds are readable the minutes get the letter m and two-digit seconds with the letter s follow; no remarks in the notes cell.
8h45m00s
